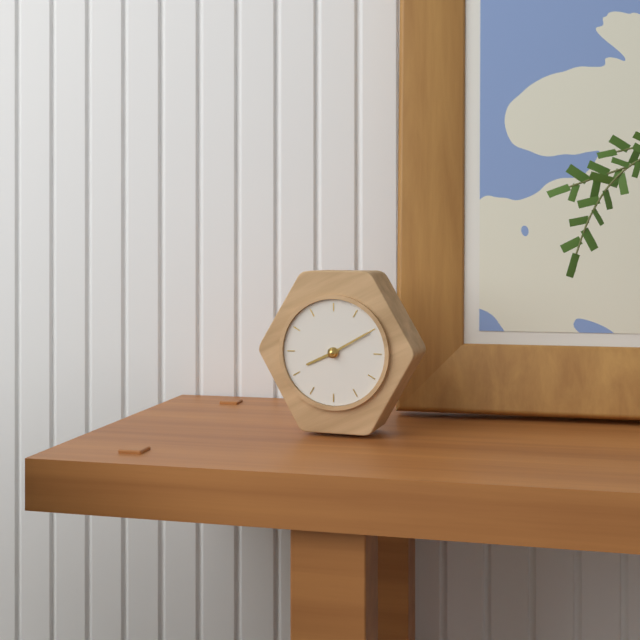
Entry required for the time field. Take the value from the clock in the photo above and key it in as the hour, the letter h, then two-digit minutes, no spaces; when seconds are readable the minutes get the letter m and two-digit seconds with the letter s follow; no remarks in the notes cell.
8h10
